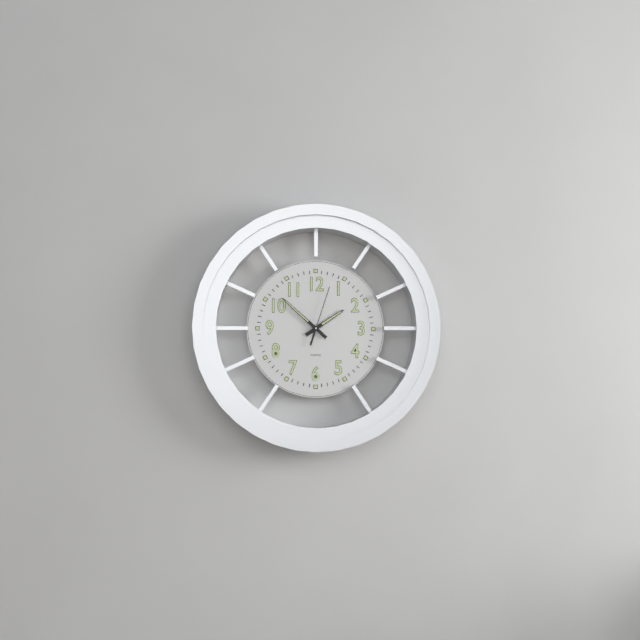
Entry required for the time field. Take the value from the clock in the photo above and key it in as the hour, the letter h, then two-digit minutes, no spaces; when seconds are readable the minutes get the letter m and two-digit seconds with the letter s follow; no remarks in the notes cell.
1h52m03s
